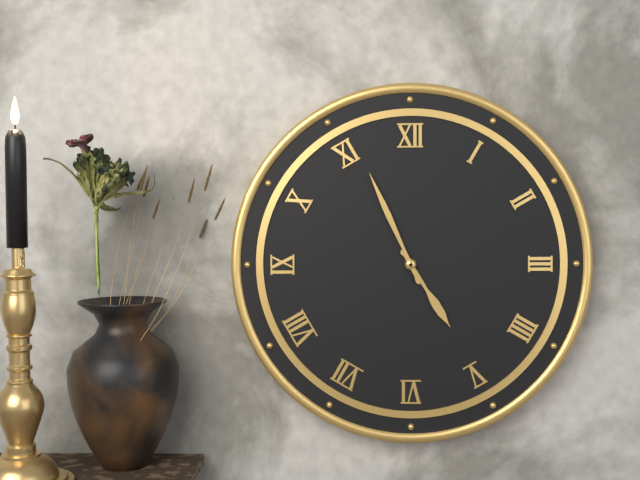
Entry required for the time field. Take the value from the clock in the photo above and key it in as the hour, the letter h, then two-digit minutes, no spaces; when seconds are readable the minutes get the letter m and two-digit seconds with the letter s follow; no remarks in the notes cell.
4h56
